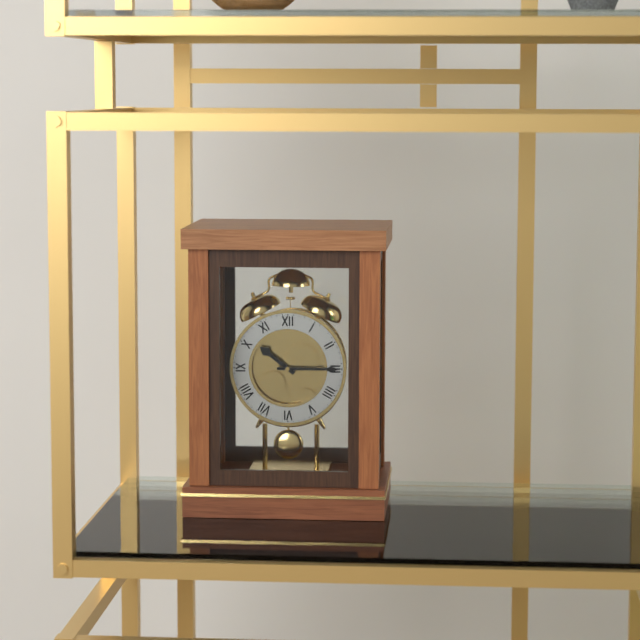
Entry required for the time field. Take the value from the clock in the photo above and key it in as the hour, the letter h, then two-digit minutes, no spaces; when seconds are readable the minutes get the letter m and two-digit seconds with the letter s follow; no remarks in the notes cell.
10h15
